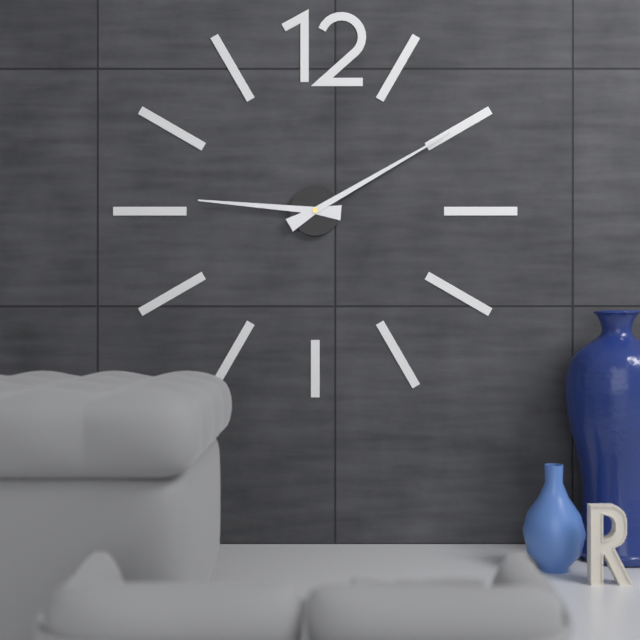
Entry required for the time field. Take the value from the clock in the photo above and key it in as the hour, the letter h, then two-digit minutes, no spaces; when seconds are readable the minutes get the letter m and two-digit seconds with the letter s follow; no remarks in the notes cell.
9h10
